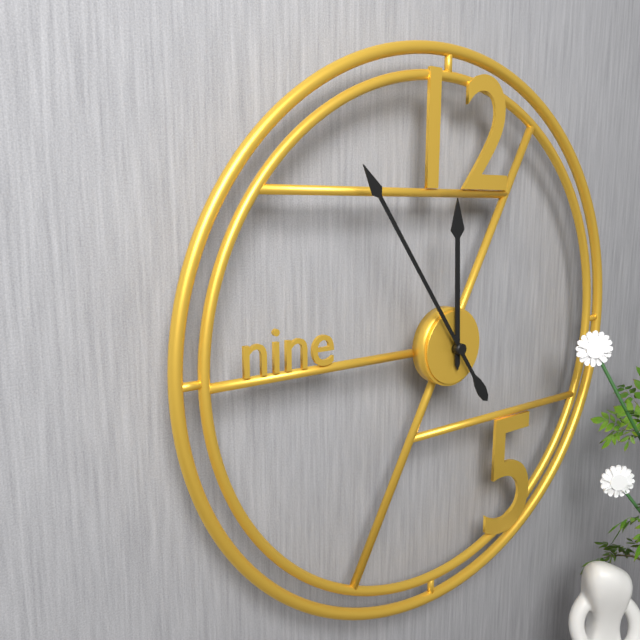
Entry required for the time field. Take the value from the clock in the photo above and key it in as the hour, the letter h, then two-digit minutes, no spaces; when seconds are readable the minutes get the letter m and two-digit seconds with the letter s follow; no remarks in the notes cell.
11h54
